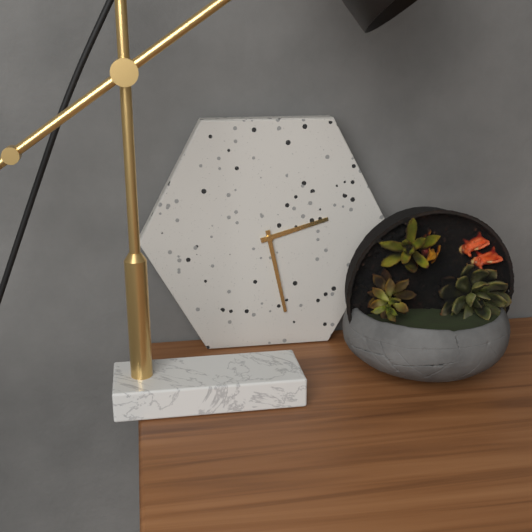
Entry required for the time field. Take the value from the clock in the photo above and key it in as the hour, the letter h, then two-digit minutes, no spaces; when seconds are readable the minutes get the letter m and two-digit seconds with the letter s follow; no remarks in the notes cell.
2h28
